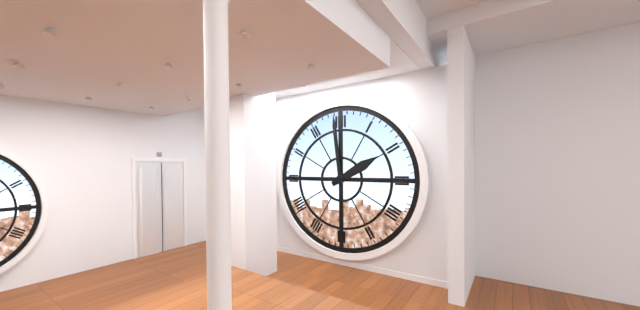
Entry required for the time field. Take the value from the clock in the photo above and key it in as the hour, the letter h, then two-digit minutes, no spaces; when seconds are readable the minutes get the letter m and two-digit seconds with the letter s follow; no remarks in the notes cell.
1h59
